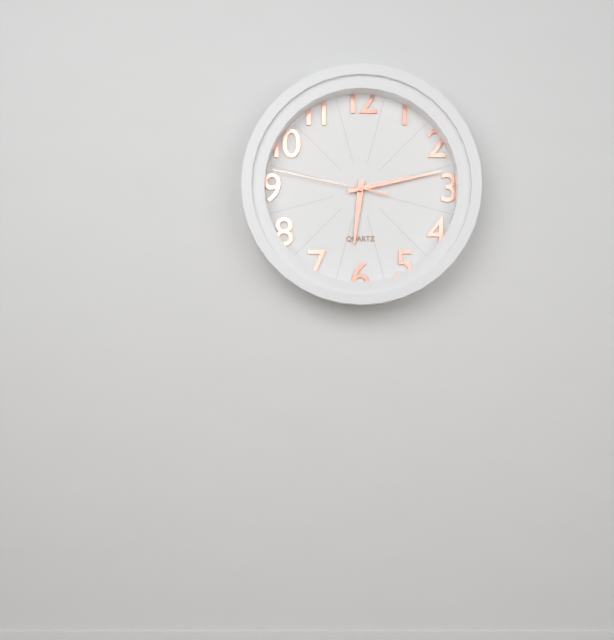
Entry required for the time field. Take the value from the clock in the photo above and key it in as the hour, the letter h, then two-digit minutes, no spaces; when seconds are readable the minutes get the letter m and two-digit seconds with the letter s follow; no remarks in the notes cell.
6h13m47s
